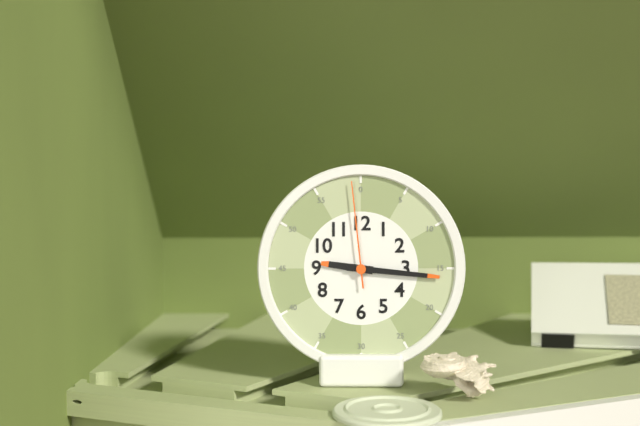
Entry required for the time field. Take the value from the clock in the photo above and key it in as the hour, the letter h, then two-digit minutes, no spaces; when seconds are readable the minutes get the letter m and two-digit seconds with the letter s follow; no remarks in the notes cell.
9h16m59s
